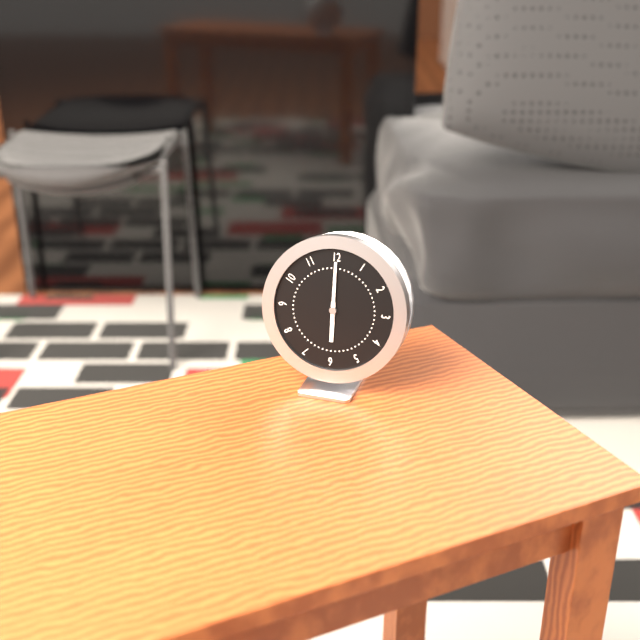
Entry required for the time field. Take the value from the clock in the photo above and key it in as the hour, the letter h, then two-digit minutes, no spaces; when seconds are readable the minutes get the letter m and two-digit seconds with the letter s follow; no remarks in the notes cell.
6h00
